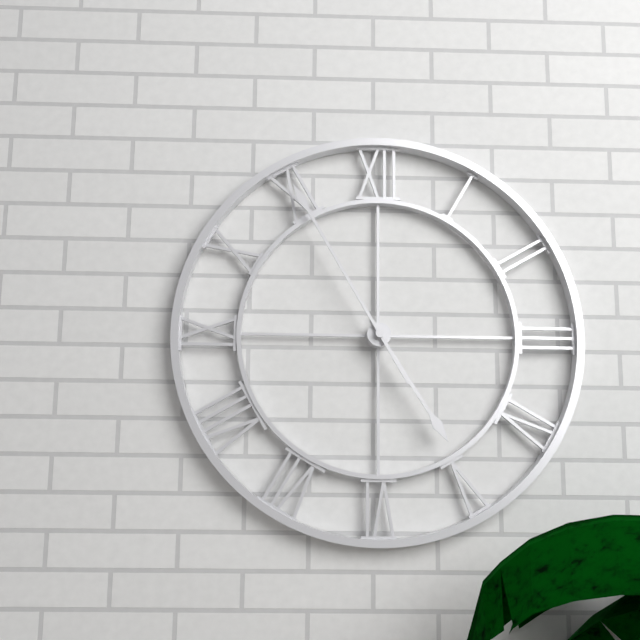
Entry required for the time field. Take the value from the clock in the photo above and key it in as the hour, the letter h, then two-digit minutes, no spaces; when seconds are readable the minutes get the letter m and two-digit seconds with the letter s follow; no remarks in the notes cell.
4h55
